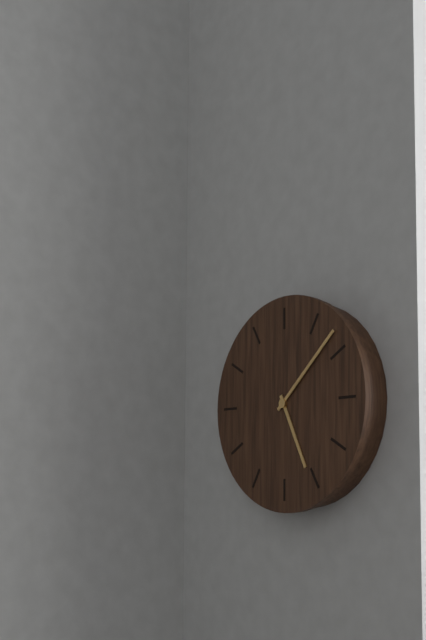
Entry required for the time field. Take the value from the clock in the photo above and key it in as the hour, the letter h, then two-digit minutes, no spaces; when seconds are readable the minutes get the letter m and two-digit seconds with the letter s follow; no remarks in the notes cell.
5h08
